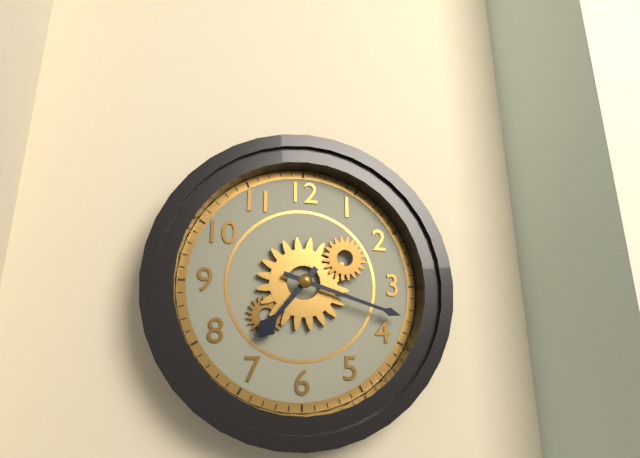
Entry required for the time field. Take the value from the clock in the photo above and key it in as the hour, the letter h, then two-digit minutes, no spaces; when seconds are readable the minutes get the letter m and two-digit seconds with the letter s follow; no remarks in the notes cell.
7h18
